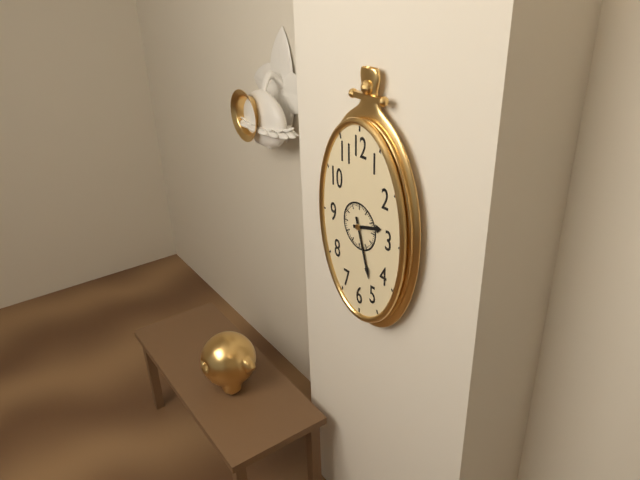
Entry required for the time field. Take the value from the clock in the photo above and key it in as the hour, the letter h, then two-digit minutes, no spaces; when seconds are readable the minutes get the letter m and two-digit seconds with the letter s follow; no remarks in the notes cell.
2h27
